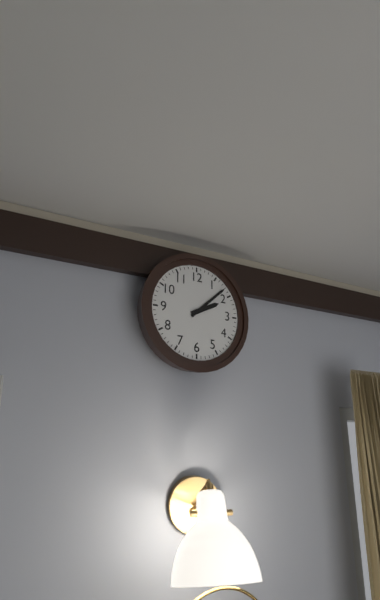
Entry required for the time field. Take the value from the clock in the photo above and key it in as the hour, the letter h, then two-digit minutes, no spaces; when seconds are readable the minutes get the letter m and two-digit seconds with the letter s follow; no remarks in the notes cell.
2h08
